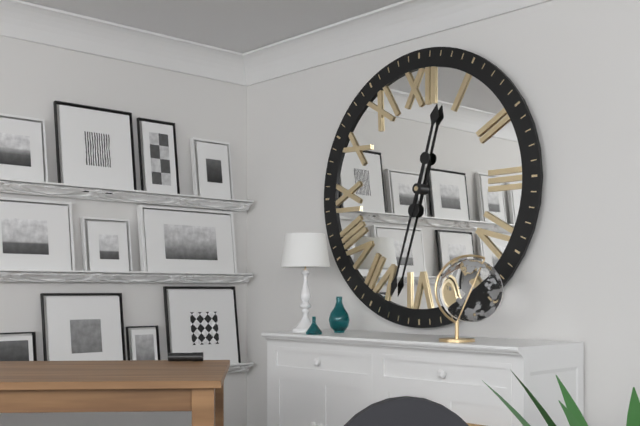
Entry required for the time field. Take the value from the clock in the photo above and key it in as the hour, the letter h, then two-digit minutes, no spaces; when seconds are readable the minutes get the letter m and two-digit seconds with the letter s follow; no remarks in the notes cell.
12h33
